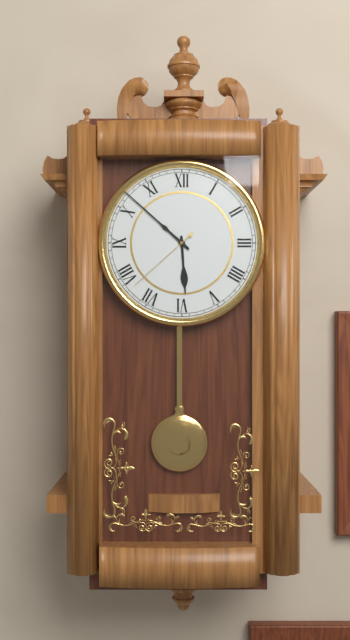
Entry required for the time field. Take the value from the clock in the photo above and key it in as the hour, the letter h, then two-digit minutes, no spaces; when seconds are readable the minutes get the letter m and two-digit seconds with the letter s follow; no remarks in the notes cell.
5h52m38s
